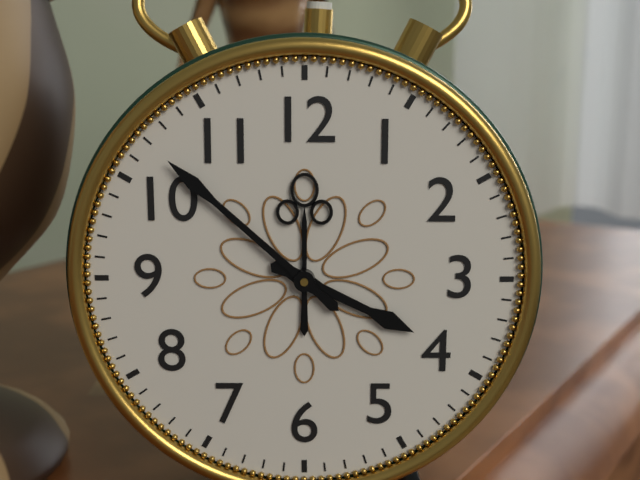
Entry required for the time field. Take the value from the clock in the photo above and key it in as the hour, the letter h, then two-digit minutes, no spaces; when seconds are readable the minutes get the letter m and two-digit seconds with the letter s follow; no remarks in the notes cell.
3h52
